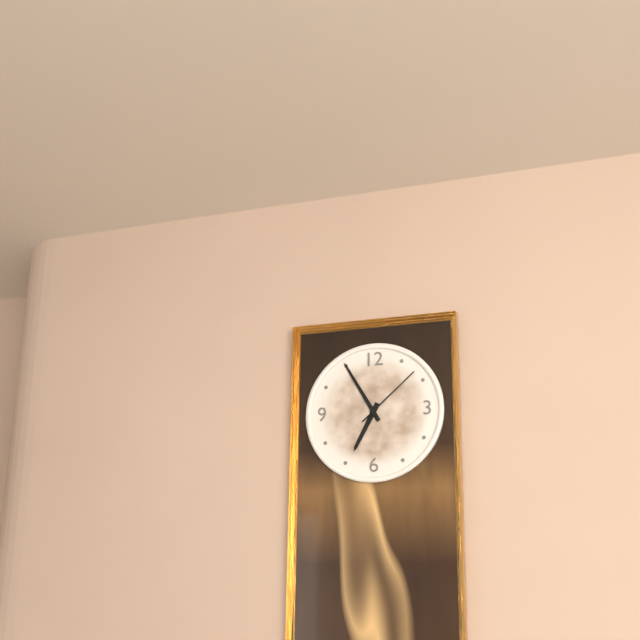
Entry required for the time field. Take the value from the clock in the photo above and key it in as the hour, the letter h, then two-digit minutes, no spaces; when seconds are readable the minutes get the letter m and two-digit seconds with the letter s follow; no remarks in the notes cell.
6h55m08s
